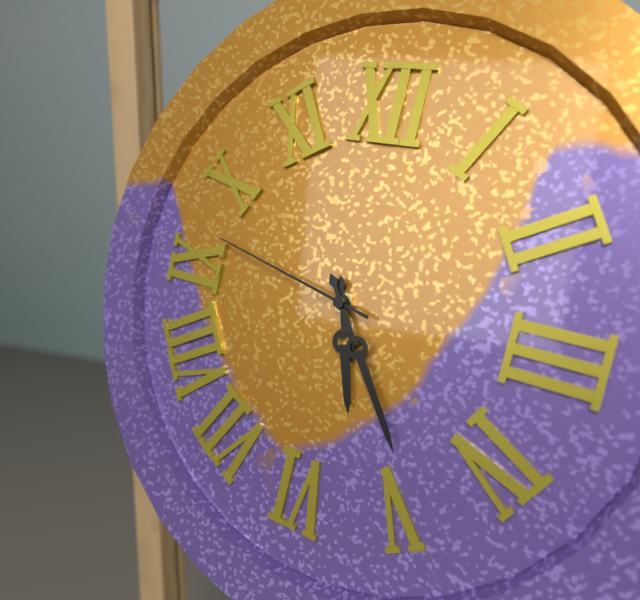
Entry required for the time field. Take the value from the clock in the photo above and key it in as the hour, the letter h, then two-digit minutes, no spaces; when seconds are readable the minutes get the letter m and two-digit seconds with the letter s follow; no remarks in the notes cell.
5h24m47s
